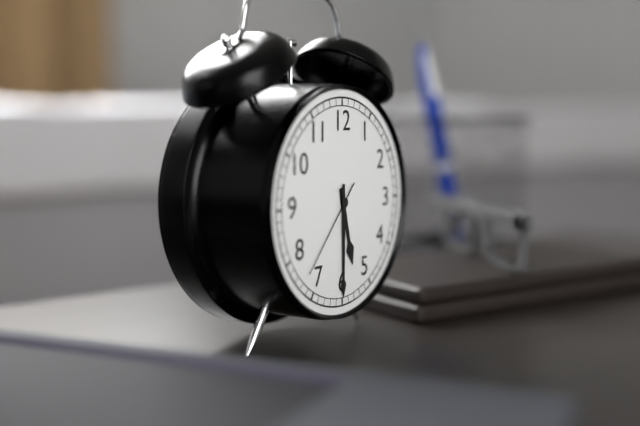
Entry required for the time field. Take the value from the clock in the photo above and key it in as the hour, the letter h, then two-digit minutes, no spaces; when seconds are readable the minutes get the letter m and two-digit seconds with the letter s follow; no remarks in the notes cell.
5h30m37s
